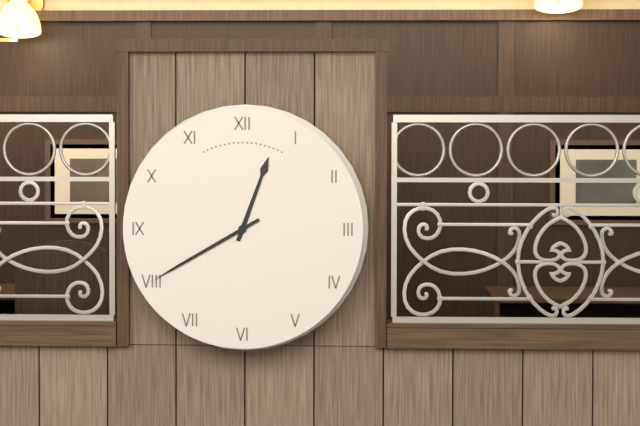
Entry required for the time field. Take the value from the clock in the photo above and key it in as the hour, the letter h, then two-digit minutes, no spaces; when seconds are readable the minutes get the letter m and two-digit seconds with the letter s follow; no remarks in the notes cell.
12h40
